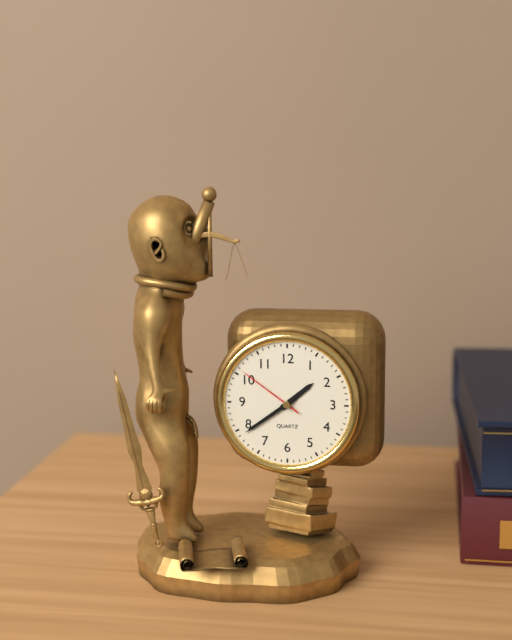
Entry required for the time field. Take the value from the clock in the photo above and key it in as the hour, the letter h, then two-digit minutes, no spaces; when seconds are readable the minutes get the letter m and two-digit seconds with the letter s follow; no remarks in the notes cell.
1h39m51s
